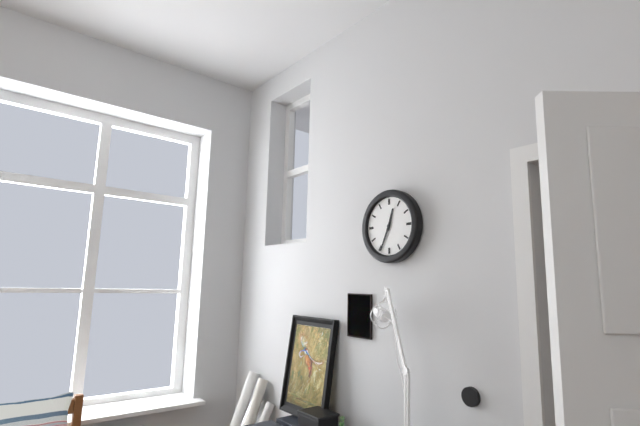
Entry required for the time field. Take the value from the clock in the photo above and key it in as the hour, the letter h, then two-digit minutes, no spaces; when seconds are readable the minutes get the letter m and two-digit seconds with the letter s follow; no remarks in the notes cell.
12h34
